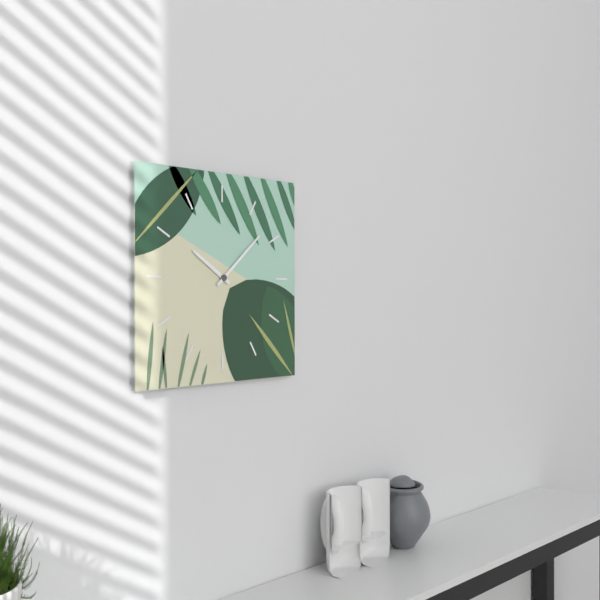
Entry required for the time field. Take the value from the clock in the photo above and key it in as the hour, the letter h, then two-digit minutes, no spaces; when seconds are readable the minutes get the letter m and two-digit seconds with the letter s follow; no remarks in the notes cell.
10h08
